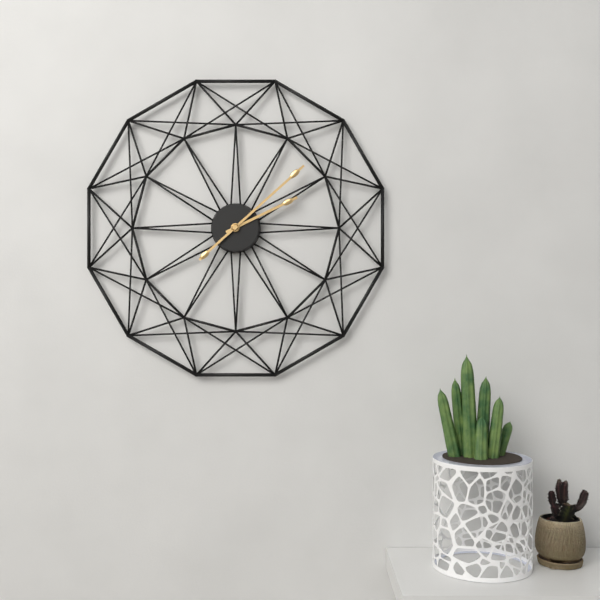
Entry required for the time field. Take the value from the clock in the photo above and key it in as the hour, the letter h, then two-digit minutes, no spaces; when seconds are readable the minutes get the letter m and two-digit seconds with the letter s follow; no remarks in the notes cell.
2h08
